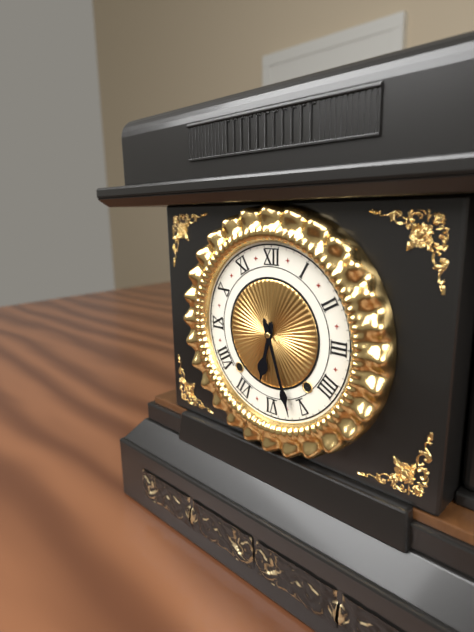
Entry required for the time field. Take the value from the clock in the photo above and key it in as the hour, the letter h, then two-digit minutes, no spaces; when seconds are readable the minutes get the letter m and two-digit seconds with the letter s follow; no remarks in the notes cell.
6h27
